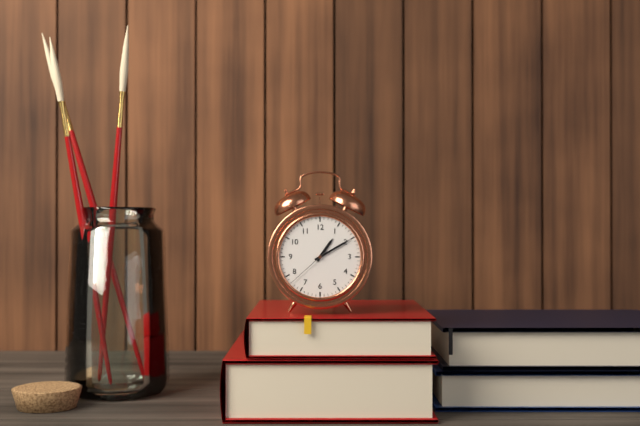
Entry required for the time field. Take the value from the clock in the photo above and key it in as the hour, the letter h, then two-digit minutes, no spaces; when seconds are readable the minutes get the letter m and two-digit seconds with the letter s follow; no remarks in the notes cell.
1h10
